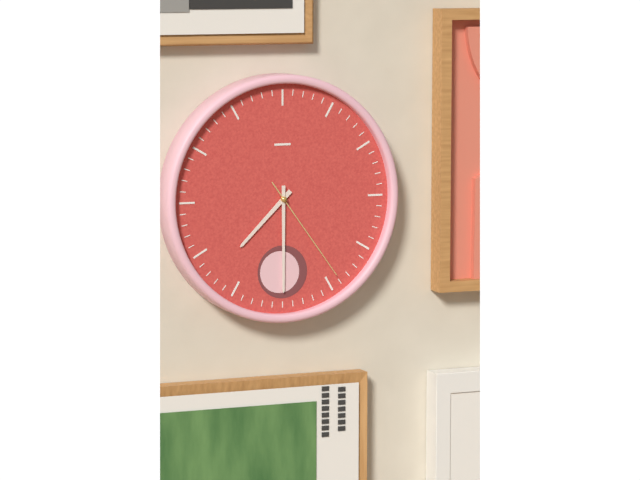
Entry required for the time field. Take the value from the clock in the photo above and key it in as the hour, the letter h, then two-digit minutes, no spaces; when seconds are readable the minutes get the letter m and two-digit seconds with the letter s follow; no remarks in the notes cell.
7h30m24s
